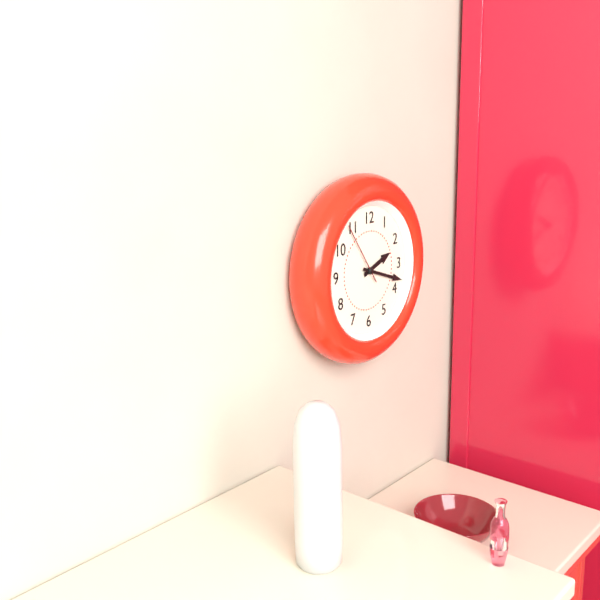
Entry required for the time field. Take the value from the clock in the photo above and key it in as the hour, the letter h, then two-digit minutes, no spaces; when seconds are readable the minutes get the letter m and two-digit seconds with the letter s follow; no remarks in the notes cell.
2h18m54s
